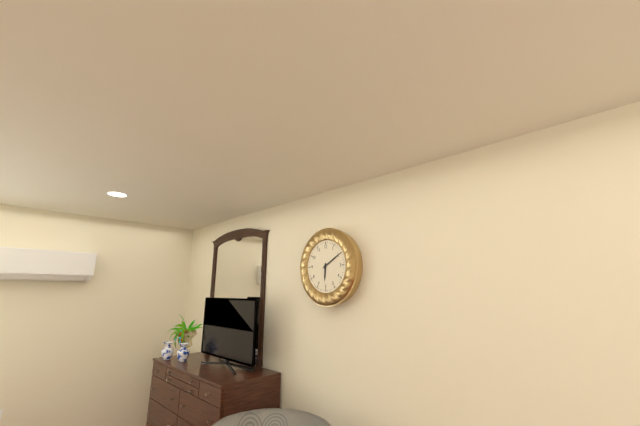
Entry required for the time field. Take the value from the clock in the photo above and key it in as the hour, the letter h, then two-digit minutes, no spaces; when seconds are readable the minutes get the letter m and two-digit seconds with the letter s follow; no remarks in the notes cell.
6h10
